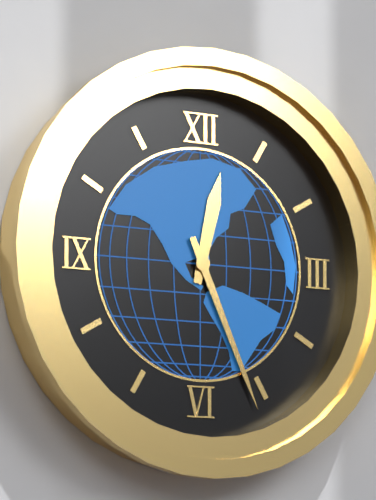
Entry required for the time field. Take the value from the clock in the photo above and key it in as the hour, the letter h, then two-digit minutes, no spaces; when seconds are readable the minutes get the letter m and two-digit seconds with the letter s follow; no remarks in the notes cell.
12h26
